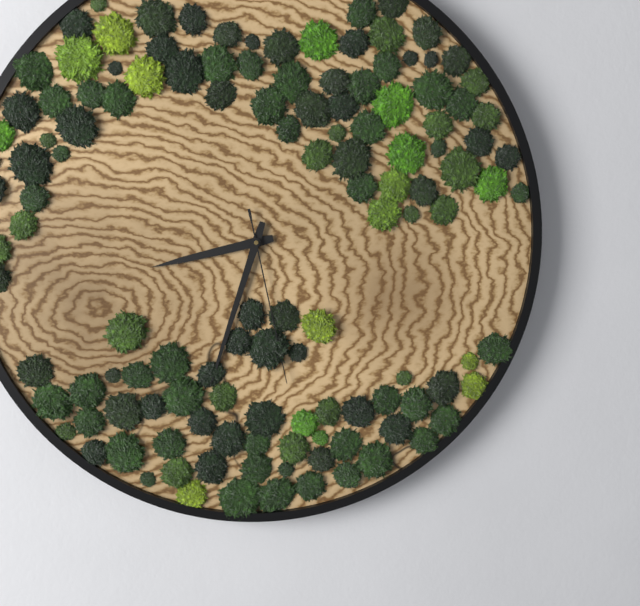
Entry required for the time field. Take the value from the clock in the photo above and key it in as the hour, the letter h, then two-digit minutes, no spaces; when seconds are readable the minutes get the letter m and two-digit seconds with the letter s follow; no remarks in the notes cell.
8h33m28s
